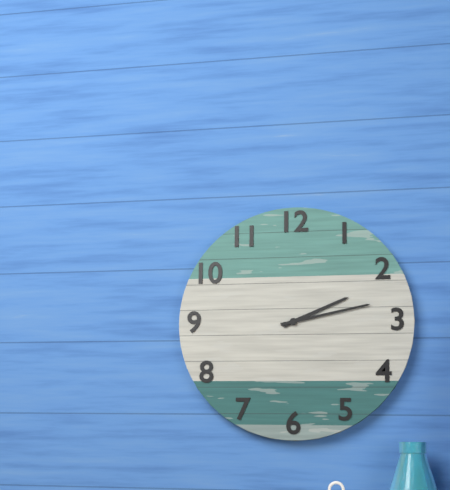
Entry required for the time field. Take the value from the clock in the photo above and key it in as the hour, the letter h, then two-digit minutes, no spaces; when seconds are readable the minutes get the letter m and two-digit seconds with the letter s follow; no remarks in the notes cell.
2h13
